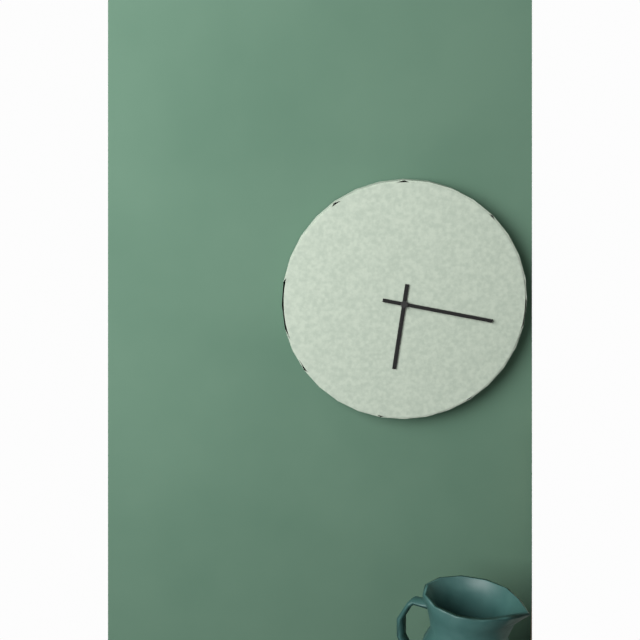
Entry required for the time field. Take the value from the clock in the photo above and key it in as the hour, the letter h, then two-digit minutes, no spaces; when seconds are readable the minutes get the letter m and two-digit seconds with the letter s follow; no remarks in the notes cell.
6h17
